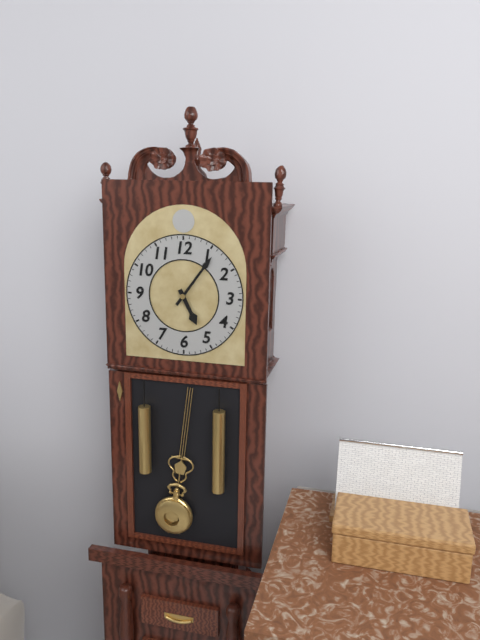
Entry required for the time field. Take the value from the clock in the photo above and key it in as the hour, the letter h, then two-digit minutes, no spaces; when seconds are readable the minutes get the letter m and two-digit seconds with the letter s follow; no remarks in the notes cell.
5h06
